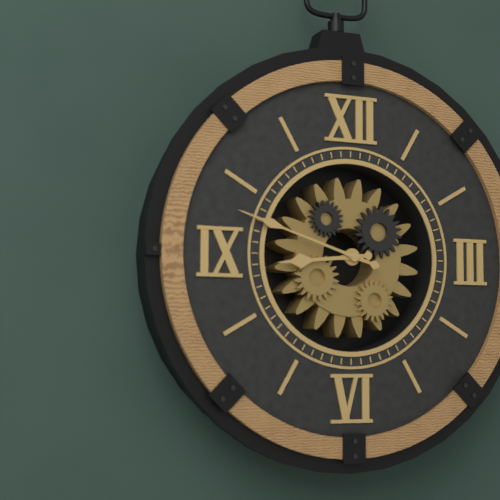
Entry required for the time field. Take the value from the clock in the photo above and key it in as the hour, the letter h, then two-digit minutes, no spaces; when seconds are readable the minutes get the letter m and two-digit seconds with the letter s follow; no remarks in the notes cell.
8h48
